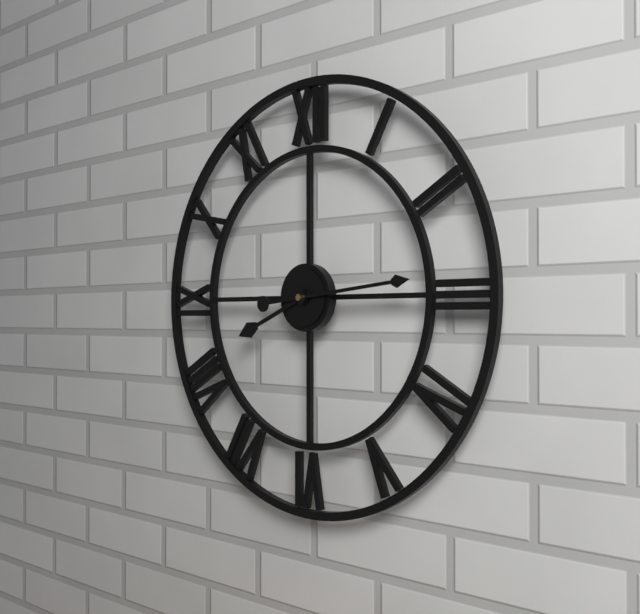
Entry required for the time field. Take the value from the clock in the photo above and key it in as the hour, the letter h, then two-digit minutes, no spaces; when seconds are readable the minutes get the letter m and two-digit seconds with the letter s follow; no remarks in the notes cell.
8h14
